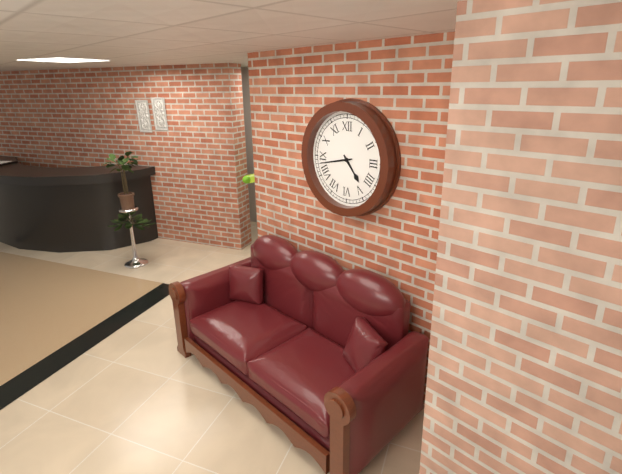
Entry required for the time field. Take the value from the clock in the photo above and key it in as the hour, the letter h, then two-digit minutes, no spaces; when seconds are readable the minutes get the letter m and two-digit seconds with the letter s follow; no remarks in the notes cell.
4h43
